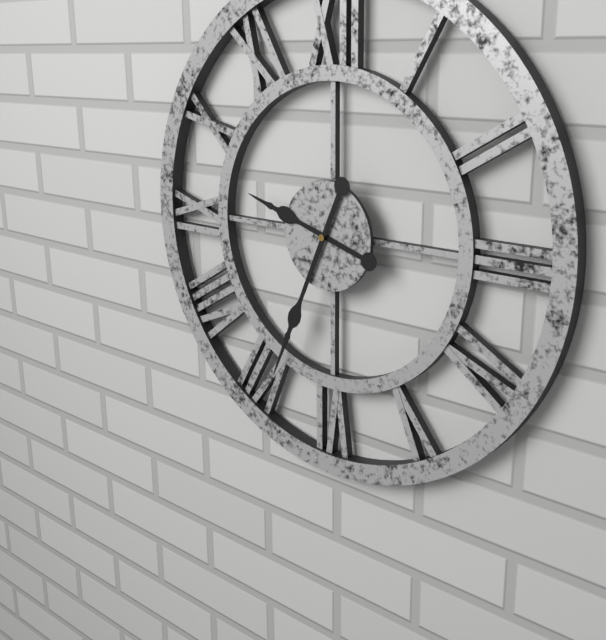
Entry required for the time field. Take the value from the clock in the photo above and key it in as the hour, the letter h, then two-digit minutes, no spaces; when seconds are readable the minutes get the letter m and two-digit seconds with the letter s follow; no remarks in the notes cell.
9h34
